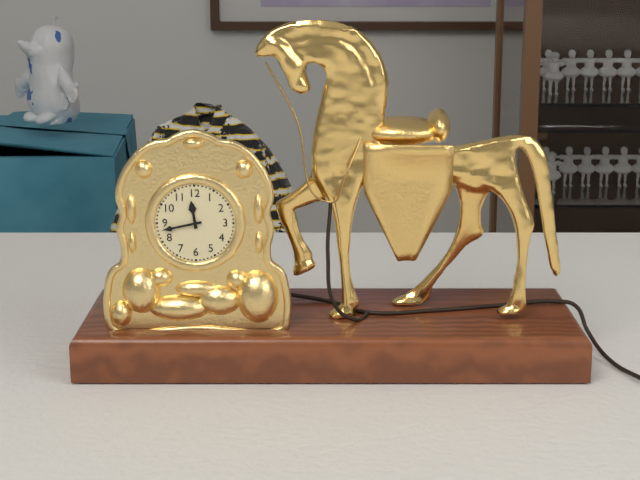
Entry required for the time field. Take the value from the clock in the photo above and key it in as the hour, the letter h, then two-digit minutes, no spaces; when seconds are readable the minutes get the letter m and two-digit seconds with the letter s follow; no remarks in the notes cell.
11h43
